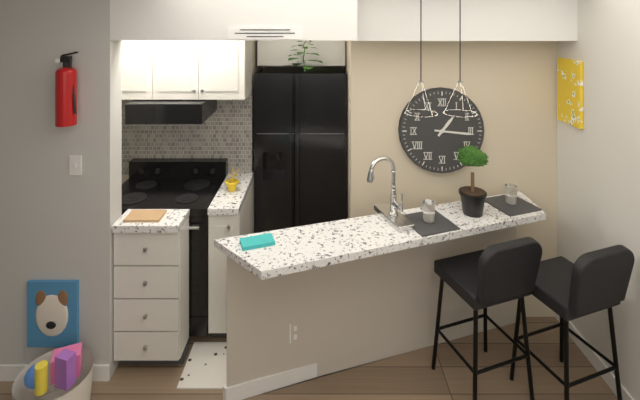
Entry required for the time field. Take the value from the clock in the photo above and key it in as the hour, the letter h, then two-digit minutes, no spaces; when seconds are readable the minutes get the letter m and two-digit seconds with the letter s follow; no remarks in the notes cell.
1h16
